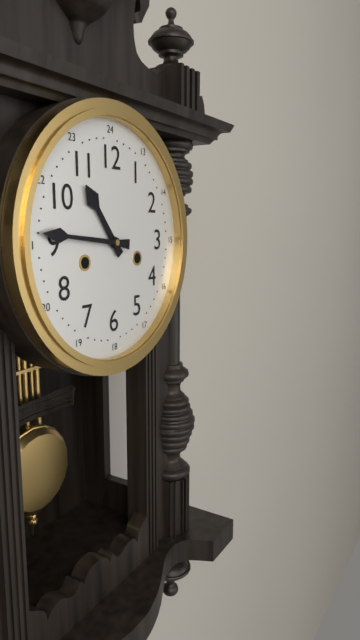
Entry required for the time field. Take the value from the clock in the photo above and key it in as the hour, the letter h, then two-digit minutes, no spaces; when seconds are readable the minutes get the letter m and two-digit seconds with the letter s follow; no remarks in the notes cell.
10h46
